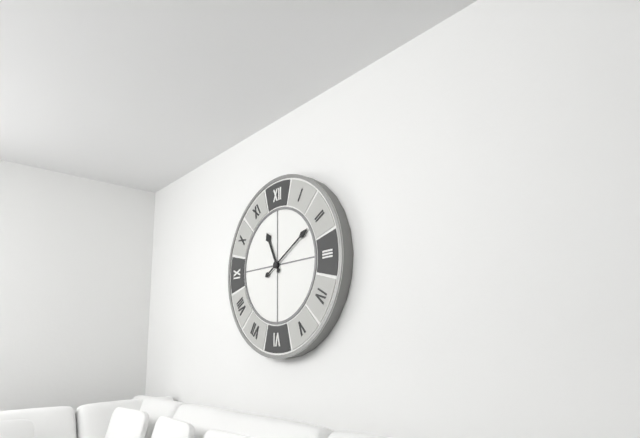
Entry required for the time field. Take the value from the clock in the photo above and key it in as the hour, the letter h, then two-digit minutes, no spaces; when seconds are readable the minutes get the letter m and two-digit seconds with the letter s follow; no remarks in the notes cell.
11h10
